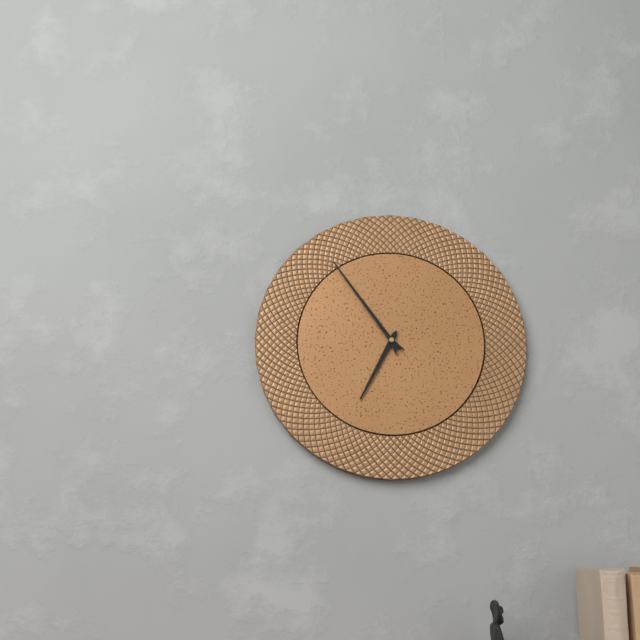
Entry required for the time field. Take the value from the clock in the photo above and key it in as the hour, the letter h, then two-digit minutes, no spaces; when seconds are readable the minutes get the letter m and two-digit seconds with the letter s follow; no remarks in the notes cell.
6h54
